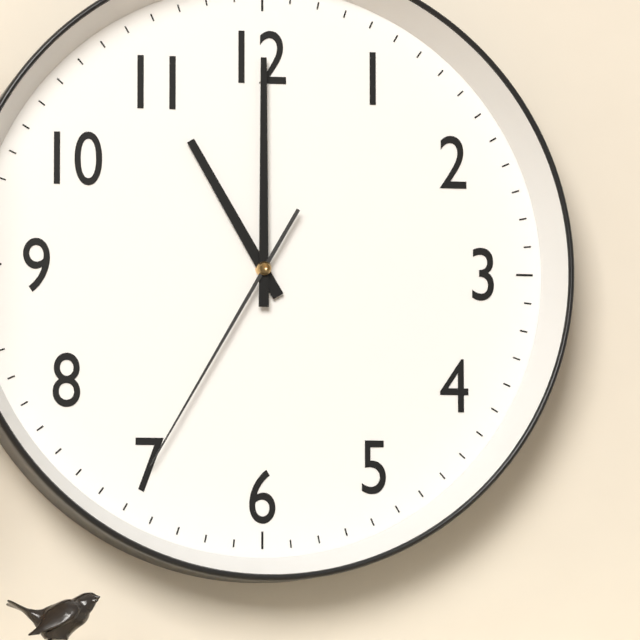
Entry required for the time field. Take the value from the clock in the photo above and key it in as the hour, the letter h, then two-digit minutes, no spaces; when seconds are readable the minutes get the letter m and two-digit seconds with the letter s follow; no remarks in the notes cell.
11h00m35s
